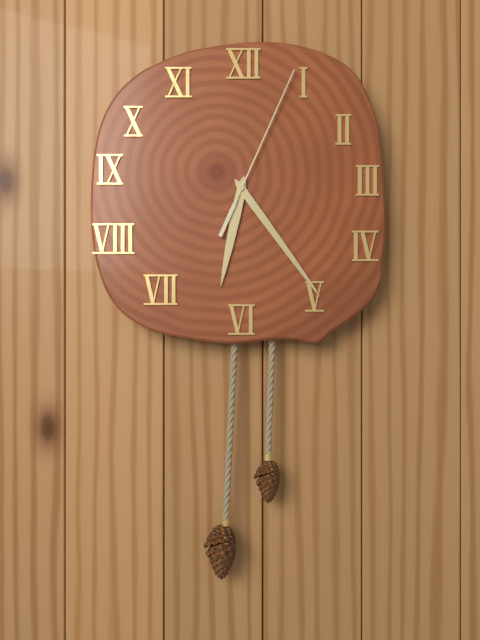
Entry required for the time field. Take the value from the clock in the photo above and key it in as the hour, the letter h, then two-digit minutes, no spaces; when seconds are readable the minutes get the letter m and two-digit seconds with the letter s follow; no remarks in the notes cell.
6h24m04s
